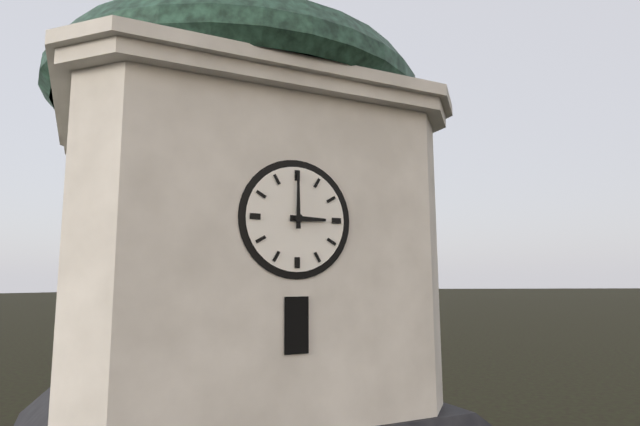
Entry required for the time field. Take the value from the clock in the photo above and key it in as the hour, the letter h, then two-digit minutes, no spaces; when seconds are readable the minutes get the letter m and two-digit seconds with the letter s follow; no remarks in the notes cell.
3h00
